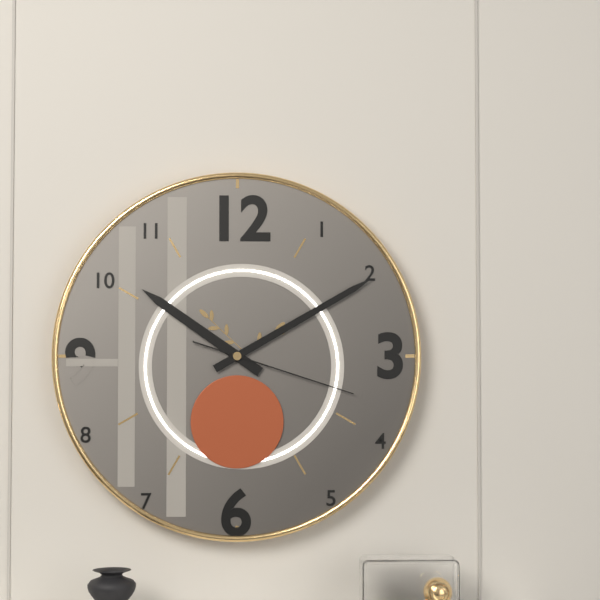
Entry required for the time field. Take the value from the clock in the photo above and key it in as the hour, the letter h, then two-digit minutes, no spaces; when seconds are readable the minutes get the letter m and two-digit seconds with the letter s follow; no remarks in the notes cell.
10h10m18s
